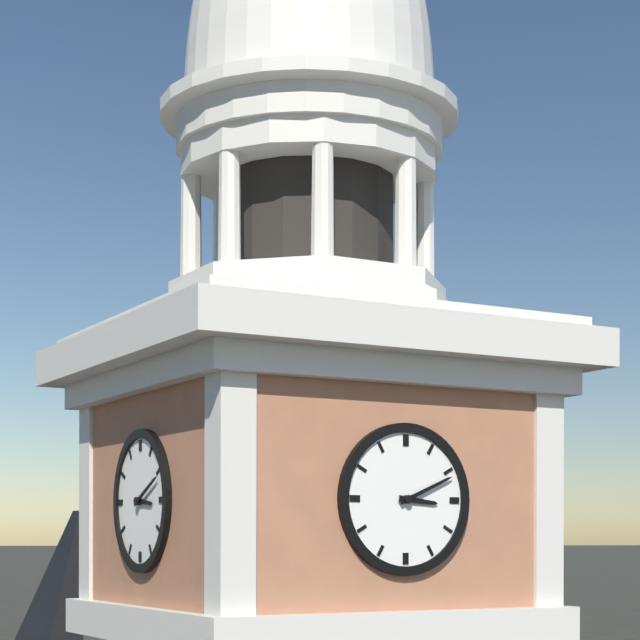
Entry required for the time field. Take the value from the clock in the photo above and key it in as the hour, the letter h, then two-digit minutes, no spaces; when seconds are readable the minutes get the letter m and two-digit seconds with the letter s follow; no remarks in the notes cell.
3h11
